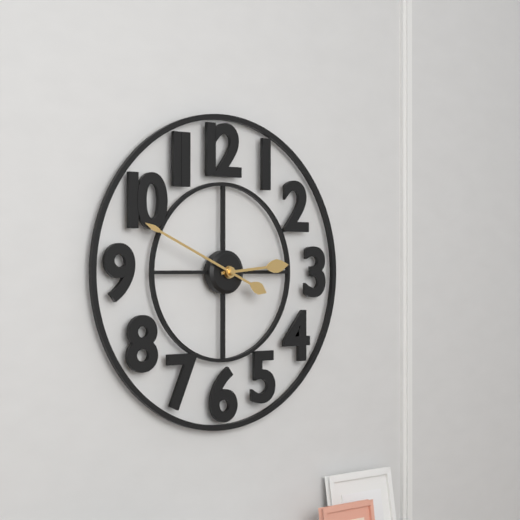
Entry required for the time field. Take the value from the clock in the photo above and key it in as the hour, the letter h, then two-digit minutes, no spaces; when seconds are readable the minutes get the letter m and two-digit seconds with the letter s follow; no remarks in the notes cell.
2h49
